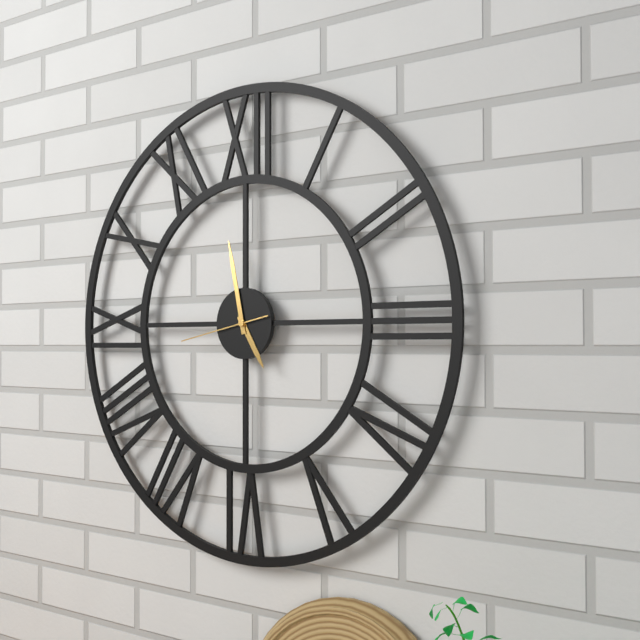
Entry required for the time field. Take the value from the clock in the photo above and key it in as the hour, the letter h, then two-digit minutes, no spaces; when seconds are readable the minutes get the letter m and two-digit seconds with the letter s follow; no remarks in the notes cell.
4h58m43s
